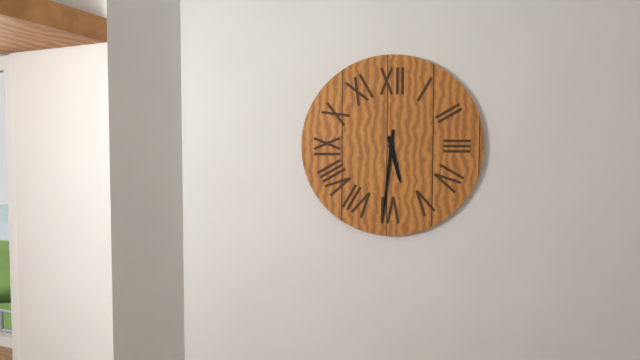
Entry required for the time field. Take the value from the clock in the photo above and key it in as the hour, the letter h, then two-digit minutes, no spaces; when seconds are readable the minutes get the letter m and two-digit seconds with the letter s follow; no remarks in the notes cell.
5h31
